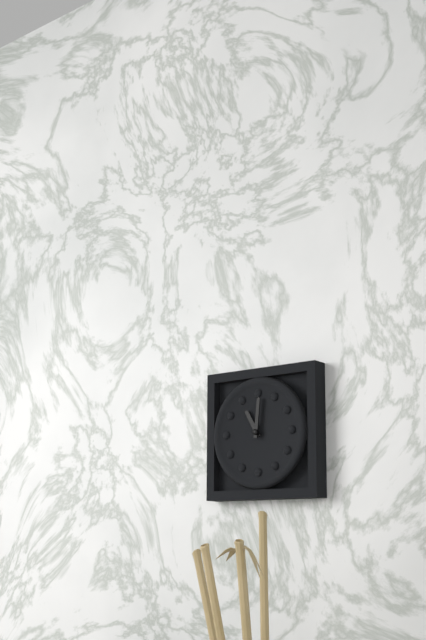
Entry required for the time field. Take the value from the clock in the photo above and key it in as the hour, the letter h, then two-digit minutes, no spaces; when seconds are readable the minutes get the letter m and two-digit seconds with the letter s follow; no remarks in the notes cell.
11h01
